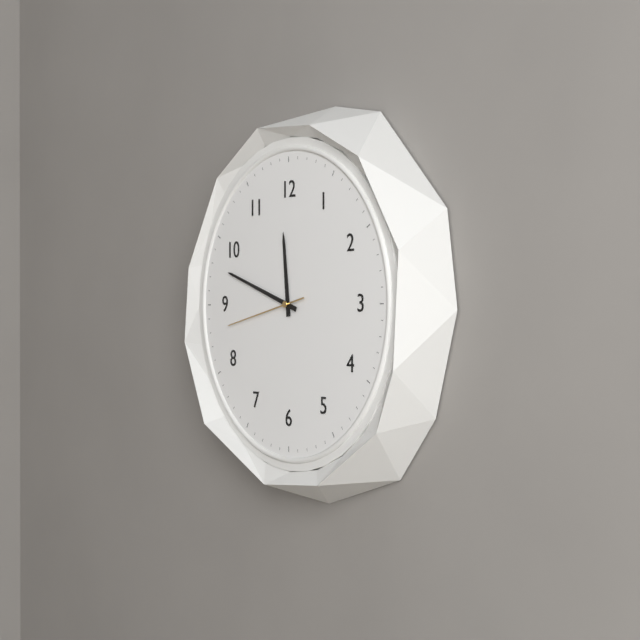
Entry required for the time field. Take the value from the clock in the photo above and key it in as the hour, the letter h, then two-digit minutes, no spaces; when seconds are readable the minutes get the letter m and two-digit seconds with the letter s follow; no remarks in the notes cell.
11h48m43s
